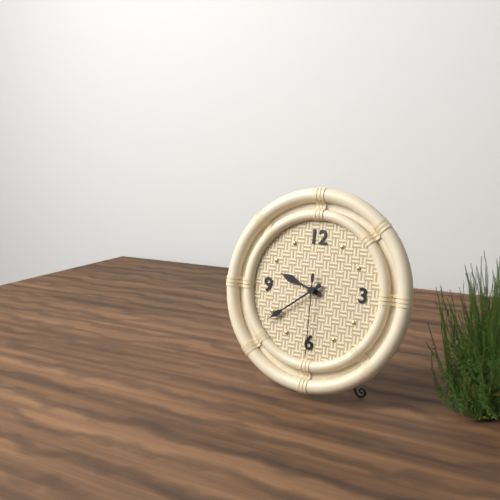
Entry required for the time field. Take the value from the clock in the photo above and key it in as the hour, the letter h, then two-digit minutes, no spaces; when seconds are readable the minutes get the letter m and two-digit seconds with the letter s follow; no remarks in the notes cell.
9h39m30s
